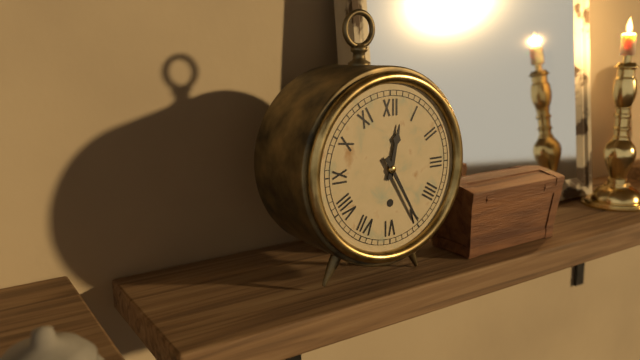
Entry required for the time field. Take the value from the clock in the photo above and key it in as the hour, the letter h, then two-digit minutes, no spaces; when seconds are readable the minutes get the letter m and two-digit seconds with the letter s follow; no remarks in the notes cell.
12h25
